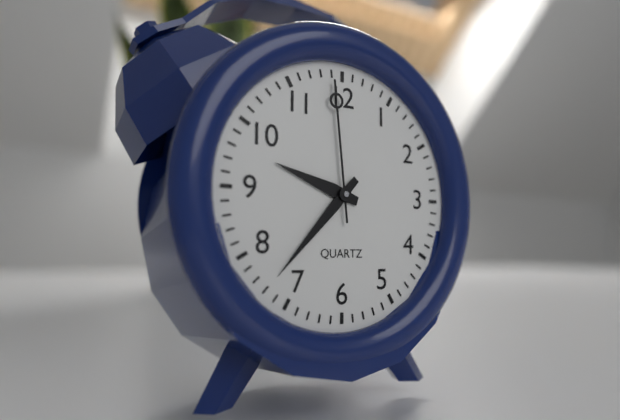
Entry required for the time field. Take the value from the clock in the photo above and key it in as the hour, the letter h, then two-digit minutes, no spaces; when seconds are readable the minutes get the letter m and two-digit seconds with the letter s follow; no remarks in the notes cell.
9h37m59s
